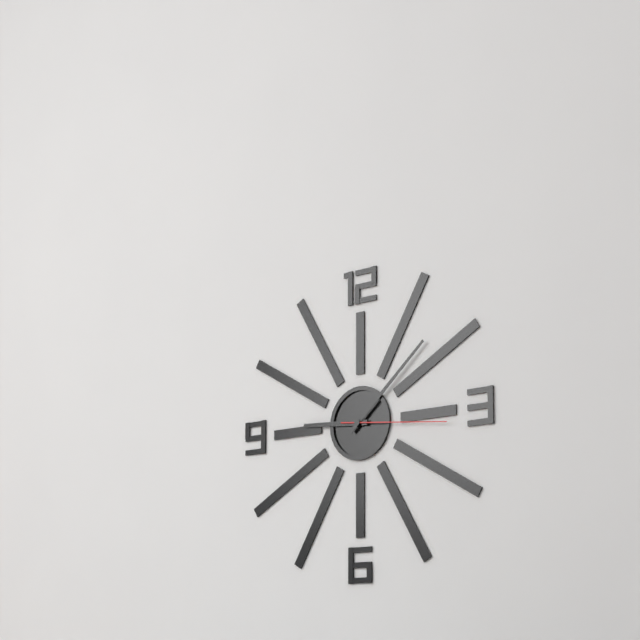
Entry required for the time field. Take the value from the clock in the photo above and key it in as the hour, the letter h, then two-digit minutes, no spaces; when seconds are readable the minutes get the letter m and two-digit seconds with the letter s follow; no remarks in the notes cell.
9h08m16s
